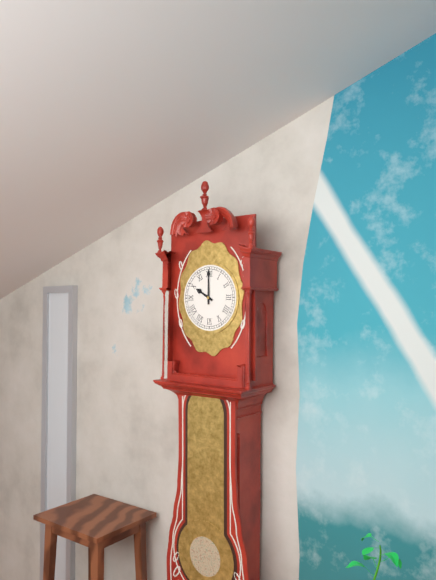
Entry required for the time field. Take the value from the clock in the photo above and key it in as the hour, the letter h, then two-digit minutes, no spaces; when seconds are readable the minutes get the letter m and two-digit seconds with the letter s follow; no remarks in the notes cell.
10h00
